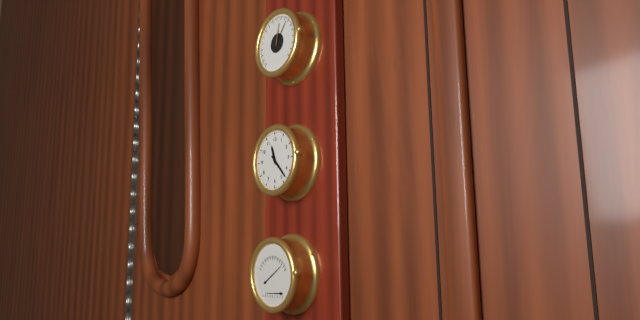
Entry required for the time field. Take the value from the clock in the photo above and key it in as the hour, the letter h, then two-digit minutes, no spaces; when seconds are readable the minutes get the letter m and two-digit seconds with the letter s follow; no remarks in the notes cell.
11h23
